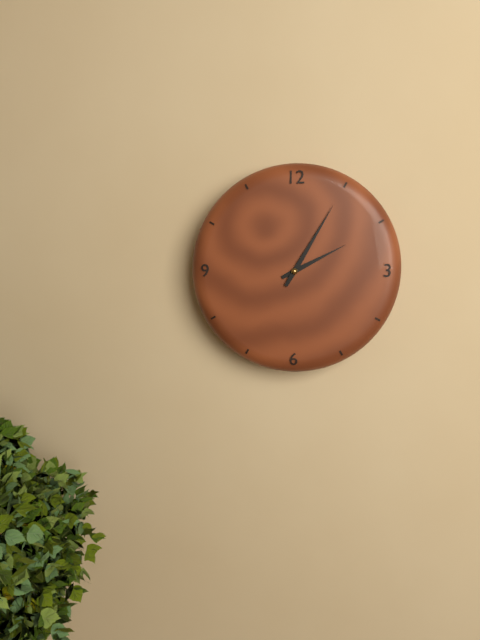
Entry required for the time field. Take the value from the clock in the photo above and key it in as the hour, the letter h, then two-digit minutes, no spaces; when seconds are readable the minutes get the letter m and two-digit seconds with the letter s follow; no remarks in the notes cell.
2h05
